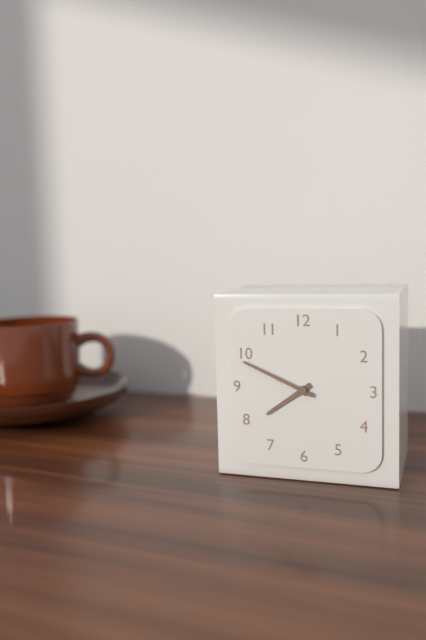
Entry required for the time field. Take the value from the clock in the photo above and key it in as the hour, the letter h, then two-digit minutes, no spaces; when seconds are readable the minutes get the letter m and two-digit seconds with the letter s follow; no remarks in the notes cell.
7h49
